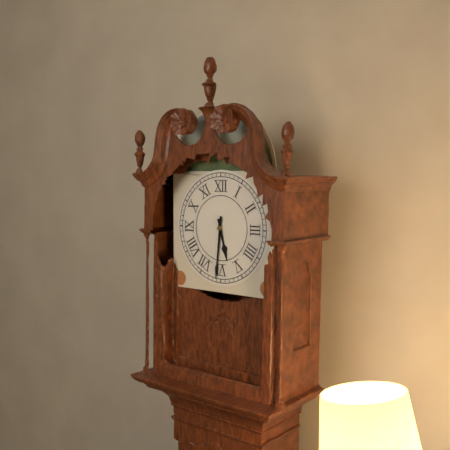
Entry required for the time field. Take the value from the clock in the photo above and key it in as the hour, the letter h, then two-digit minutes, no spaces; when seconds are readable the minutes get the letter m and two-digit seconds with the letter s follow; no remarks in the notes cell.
5h31
